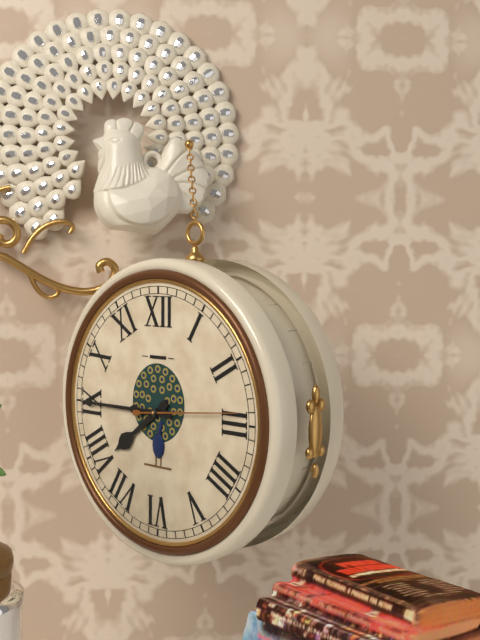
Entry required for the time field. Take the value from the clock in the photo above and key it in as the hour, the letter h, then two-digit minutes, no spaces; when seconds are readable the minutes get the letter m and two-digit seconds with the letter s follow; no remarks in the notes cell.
7h45m14s
